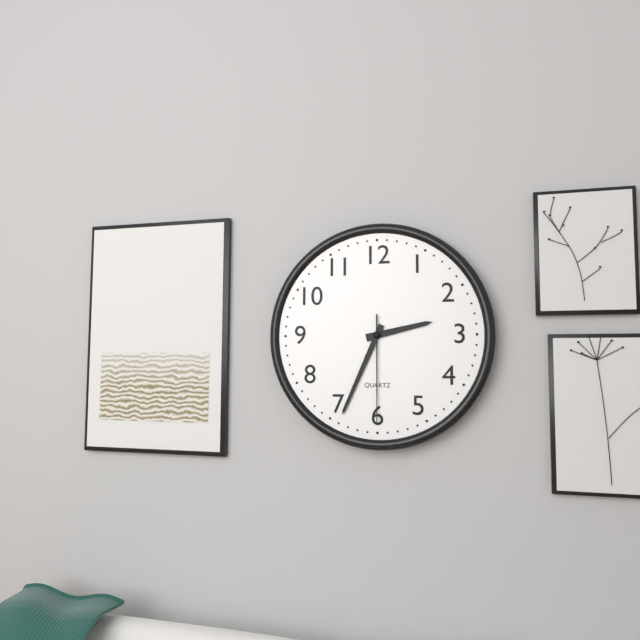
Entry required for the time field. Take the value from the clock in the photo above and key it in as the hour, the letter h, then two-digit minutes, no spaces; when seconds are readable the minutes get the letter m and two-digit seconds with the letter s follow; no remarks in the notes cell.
2h34m30s
